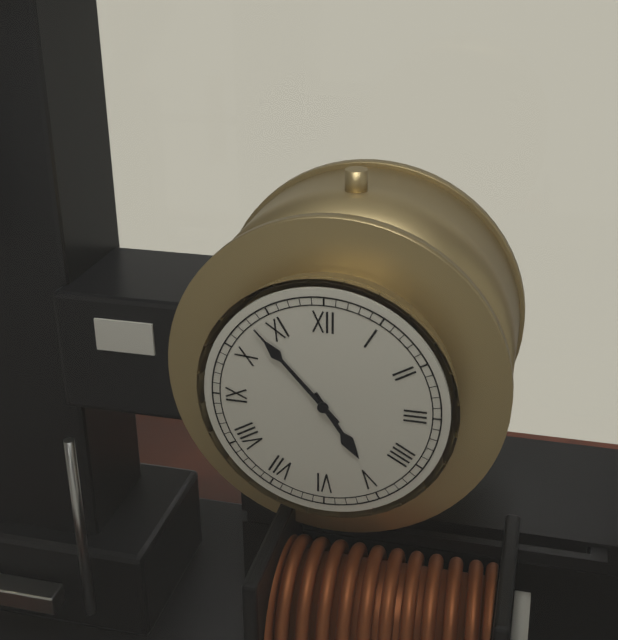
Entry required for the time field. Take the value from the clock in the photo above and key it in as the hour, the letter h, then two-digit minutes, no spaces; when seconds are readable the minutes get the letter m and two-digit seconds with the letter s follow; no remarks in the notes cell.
4h53
